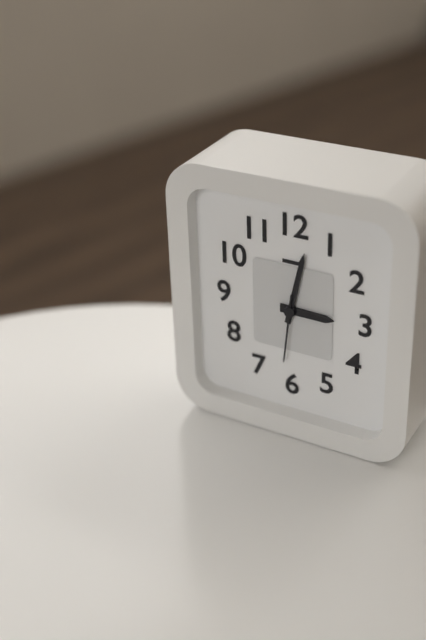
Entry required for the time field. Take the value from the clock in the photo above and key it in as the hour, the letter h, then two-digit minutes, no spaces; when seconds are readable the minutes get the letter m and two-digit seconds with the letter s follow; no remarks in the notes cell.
3h02m31s
